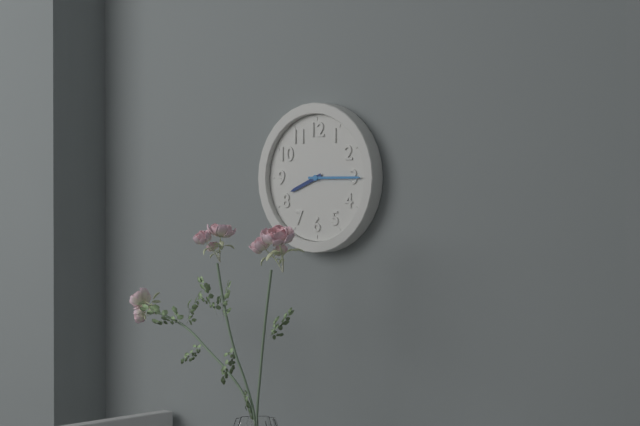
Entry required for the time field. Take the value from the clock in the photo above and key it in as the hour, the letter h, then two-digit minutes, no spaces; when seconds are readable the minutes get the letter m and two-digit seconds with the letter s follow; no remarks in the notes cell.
8h15
